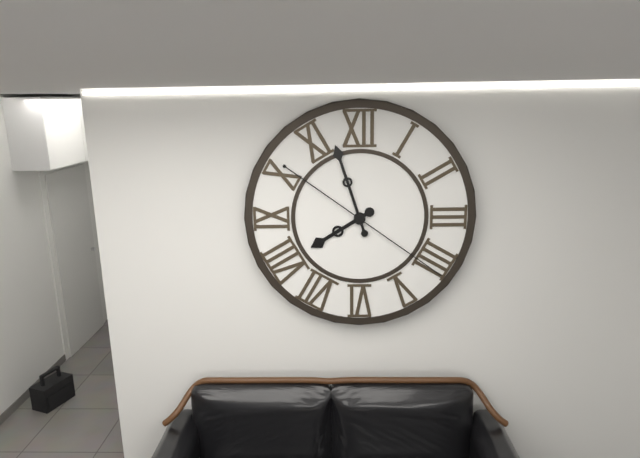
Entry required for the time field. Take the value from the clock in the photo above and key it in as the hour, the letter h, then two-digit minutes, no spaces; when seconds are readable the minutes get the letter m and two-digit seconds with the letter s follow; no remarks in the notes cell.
7h57m21s
